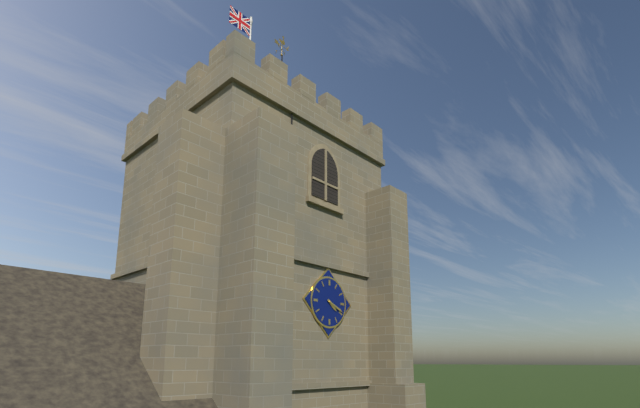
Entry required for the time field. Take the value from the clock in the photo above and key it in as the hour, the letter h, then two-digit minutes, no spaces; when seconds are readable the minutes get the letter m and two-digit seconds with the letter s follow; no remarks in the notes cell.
4h19
